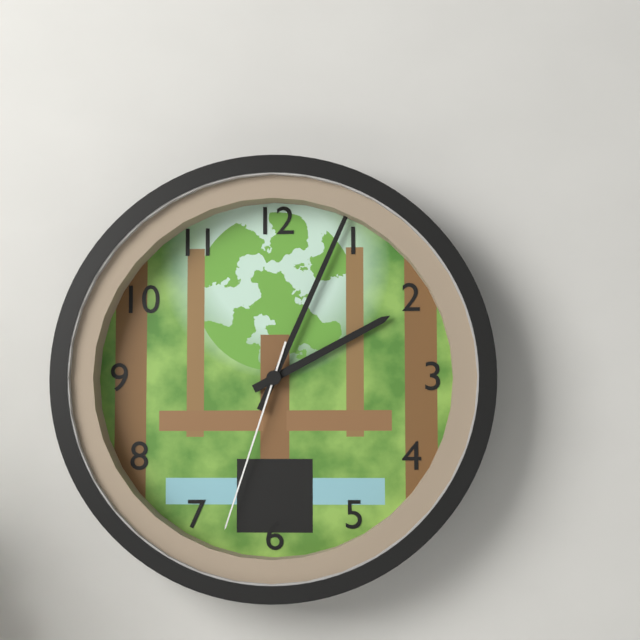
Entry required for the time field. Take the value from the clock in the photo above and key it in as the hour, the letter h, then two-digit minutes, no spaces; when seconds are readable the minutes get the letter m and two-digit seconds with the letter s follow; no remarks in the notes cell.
2h04m33s
